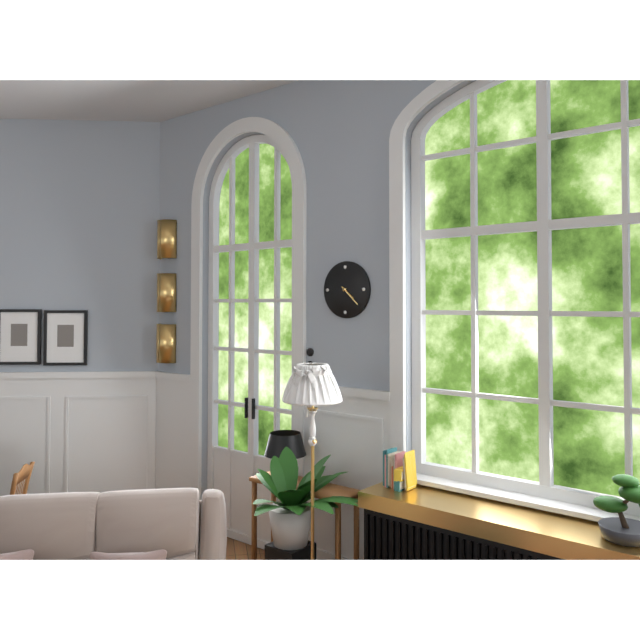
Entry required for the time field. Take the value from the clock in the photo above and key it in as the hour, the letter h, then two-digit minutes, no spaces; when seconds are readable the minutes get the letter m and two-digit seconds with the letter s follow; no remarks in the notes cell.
4h22
